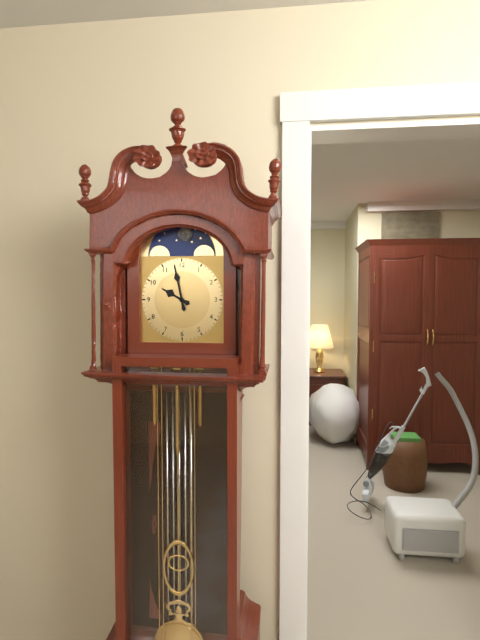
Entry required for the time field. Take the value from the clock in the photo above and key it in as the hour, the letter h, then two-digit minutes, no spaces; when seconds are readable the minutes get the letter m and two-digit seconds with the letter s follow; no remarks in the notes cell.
9h58
